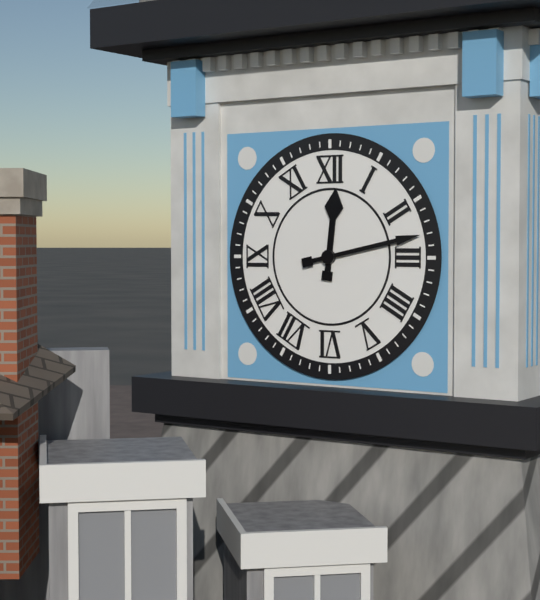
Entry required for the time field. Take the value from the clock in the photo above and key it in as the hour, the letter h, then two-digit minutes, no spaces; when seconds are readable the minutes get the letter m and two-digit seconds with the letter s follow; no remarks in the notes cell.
12h13
